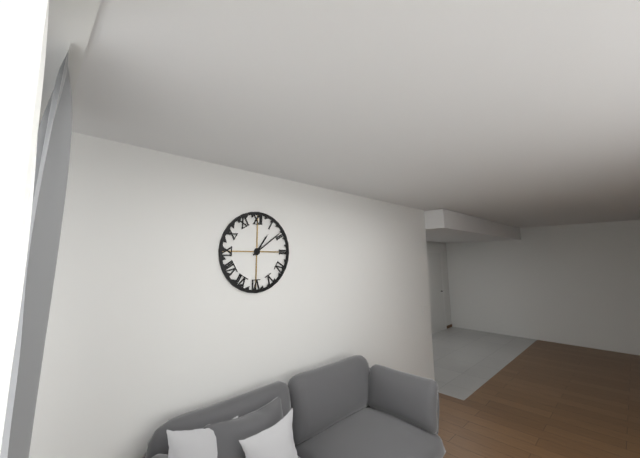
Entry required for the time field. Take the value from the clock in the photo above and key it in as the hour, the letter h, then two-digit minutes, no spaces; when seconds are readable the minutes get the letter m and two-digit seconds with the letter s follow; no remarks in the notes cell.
1h09
